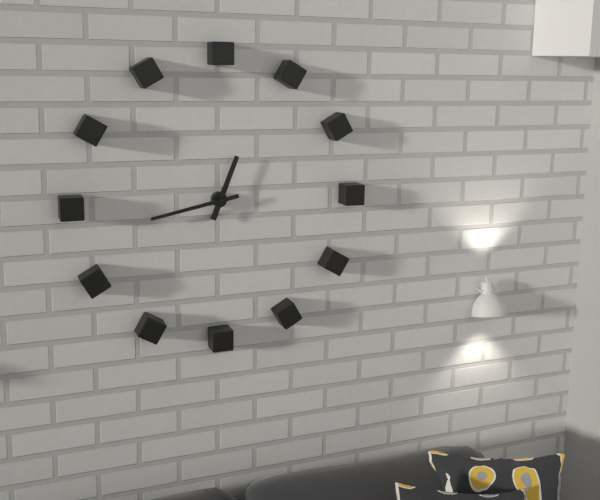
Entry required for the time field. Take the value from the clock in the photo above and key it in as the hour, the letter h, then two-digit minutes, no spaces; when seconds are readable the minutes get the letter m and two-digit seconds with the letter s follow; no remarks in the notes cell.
12h43
